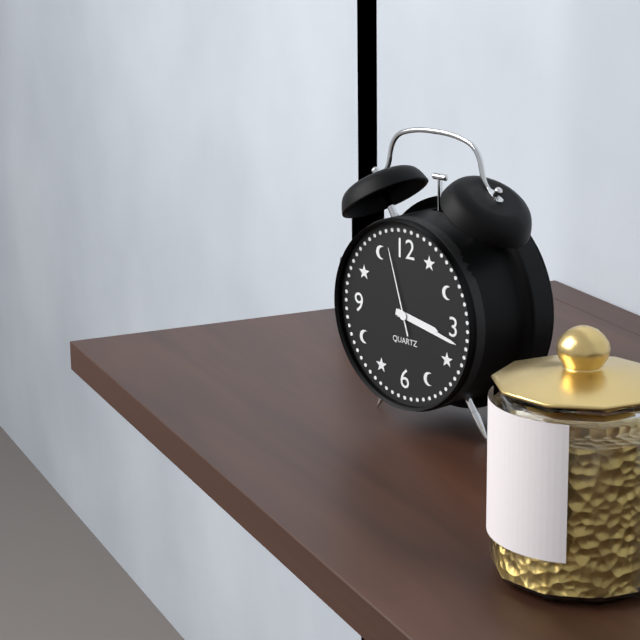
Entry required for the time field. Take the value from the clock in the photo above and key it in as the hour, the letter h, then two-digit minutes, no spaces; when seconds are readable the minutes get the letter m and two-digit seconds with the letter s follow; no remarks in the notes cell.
3h17m57s
